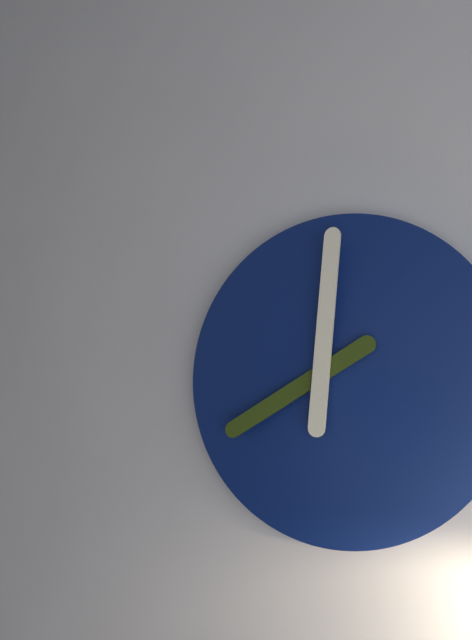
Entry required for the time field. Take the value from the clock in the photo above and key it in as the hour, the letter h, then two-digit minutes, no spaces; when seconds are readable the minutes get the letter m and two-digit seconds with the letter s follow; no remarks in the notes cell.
8h01
